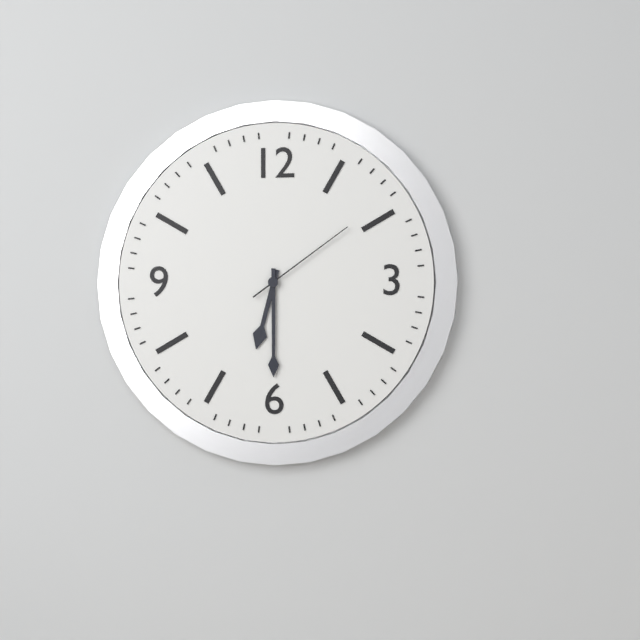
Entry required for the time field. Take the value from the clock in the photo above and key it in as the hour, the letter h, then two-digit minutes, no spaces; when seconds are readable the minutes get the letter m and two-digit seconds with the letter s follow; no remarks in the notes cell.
6h30m09s
